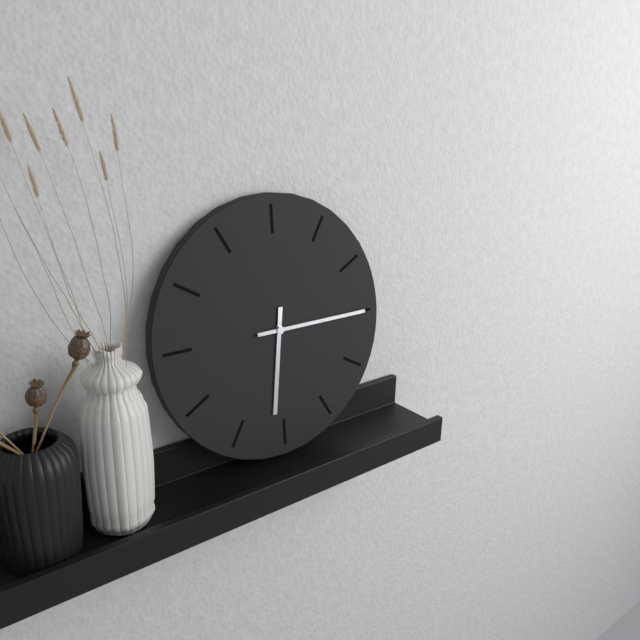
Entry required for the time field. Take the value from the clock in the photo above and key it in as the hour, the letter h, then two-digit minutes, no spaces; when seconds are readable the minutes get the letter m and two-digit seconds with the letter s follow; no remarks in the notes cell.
6h15
